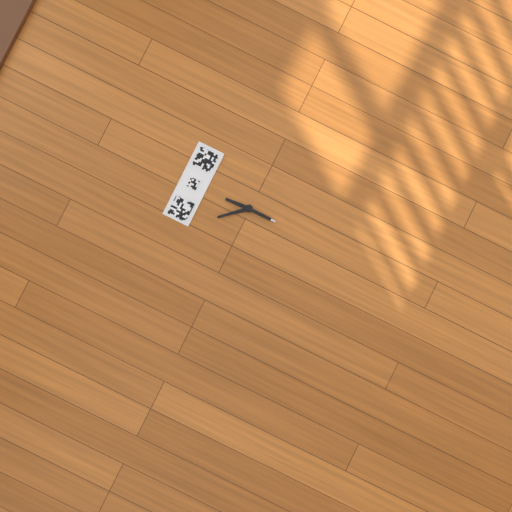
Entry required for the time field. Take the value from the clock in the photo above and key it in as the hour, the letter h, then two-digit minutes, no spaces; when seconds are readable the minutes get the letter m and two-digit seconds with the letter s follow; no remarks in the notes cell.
11h53
